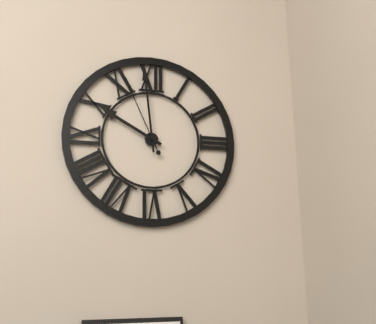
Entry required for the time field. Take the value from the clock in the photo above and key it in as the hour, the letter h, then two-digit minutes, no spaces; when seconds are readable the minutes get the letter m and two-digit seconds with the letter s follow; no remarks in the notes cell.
9h59m56s
